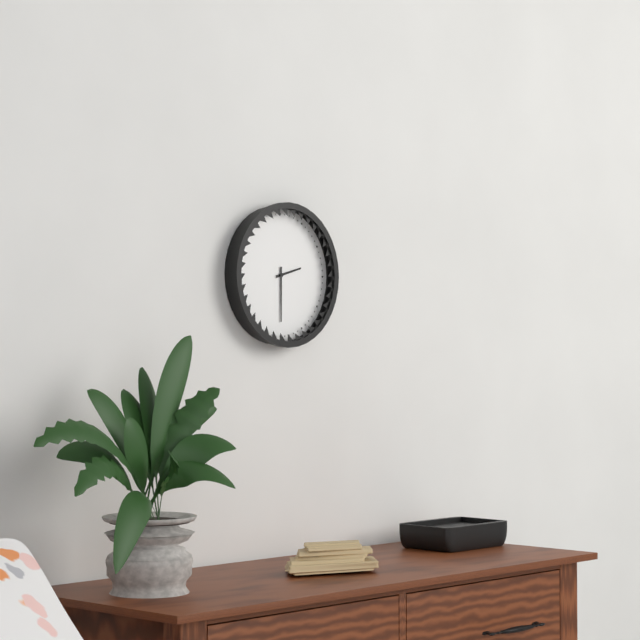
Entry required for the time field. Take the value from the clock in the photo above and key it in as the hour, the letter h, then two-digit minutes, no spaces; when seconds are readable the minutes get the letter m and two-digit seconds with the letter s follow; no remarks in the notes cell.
2h30
